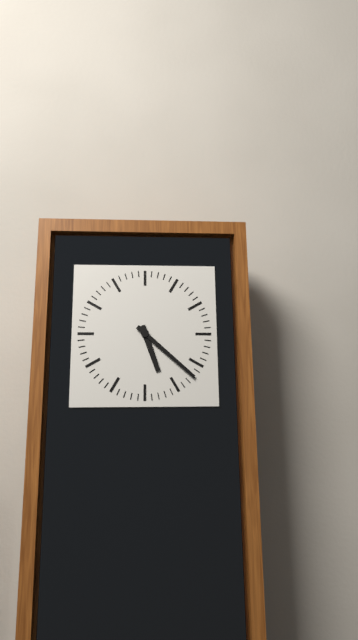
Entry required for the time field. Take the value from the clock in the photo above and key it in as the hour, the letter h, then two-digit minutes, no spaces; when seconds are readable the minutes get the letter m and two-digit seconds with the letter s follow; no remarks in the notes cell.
5h22
